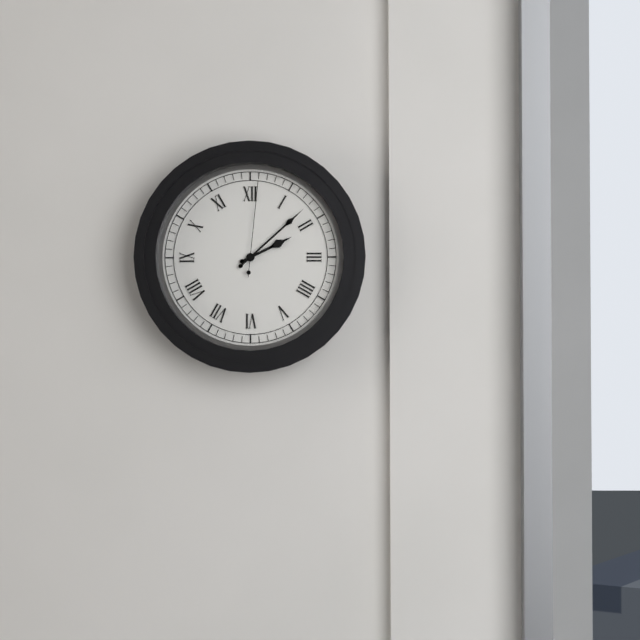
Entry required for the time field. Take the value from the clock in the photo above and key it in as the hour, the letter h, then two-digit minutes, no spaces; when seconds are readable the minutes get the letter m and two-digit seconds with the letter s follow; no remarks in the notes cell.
2h08m01s
